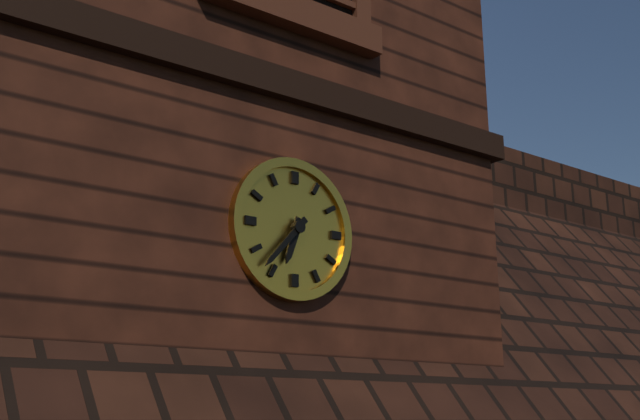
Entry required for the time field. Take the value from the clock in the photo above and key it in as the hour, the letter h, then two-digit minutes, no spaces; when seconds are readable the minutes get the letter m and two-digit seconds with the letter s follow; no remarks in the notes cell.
6h37
